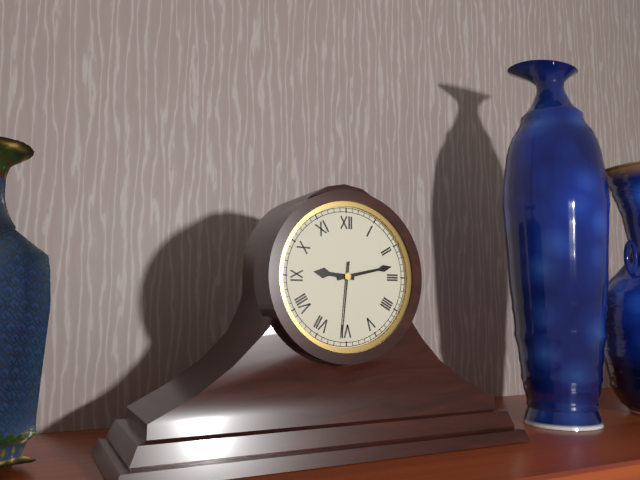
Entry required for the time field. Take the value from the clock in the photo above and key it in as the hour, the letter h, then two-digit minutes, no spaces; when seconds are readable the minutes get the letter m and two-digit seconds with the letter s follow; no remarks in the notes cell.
9h13m31s
